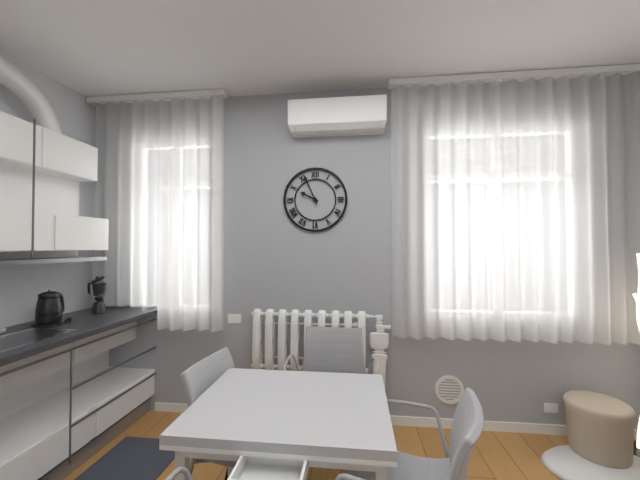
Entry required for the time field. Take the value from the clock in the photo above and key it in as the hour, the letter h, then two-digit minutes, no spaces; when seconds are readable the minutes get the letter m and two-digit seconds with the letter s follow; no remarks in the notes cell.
9h56
